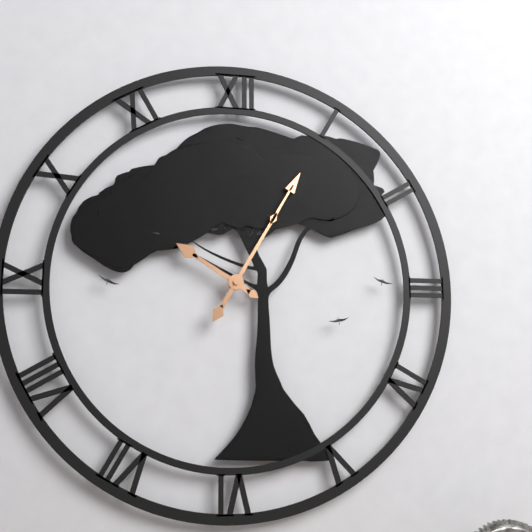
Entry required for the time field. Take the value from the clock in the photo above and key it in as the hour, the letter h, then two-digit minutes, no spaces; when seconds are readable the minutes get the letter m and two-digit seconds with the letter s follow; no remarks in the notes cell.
10h05
